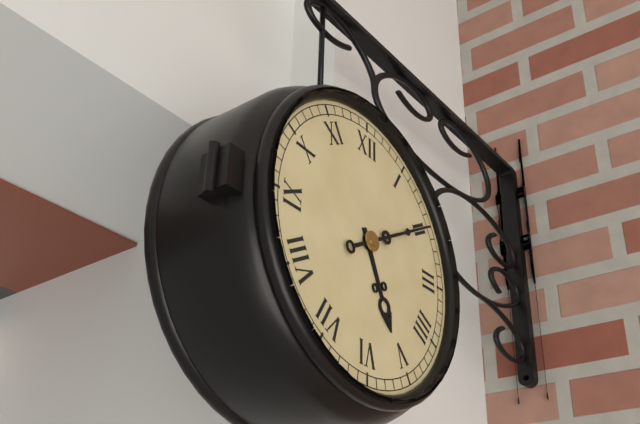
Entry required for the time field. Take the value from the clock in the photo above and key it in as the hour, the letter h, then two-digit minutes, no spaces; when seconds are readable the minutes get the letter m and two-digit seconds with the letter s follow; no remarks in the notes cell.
5h10
